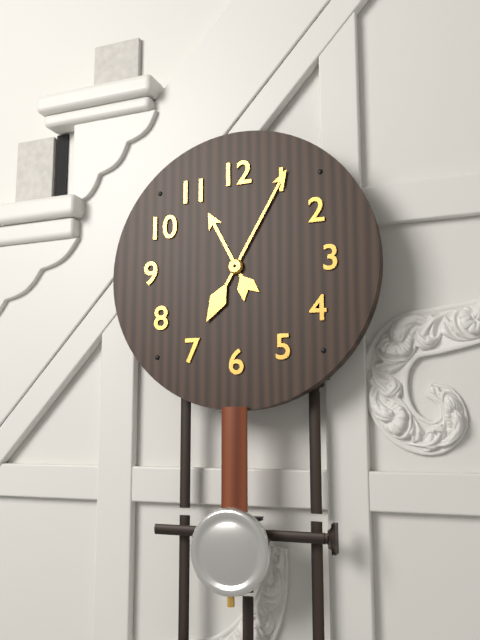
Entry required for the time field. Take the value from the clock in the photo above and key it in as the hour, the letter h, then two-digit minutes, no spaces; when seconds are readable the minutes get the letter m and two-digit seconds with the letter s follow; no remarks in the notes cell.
11h05
